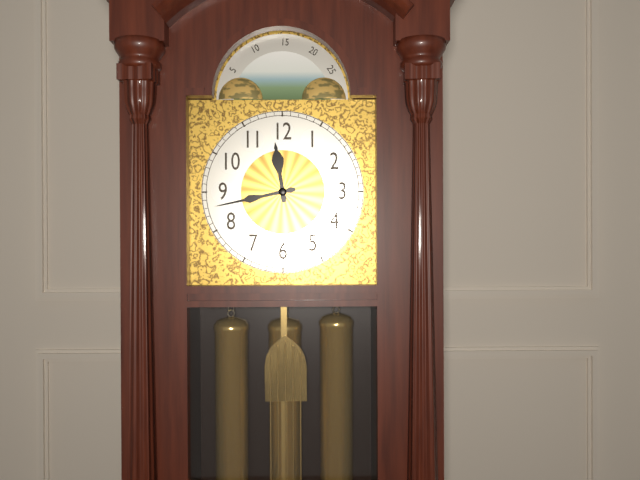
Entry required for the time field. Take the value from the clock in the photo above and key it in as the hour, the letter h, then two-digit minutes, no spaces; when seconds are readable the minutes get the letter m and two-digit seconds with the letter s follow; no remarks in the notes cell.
11h43
